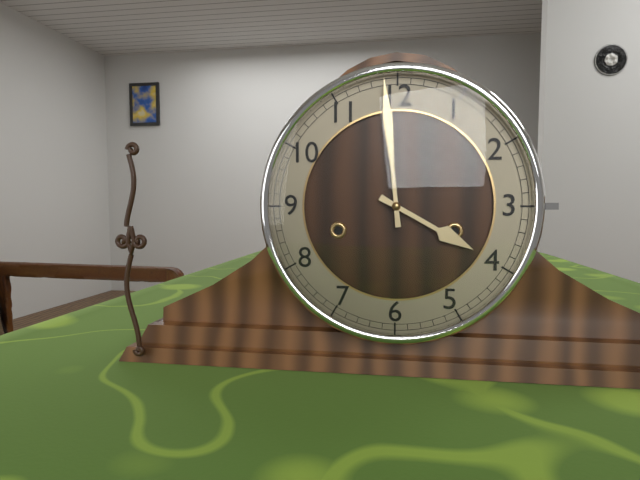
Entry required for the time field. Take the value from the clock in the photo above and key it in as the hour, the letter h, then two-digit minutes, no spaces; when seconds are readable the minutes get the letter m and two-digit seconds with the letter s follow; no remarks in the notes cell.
3h59
